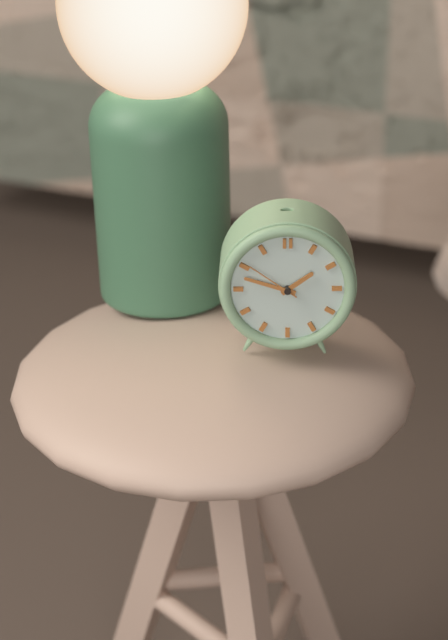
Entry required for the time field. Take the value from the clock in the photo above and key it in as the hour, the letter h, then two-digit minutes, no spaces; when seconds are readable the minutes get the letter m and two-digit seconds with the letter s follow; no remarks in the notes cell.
1h48m51s
